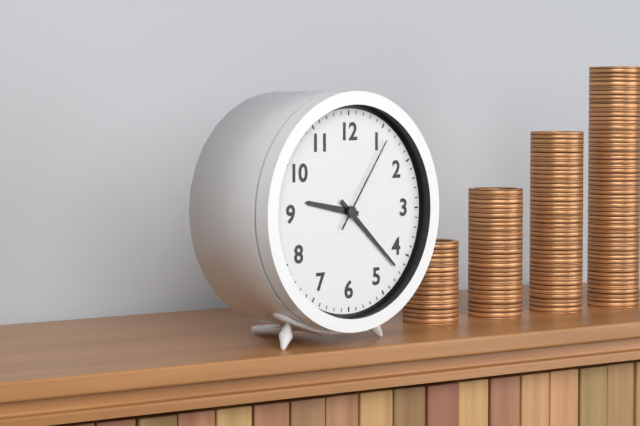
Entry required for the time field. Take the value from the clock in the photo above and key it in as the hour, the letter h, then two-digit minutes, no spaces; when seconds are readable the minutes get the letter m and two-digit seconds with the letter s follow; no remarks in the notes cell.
9h22m06s
